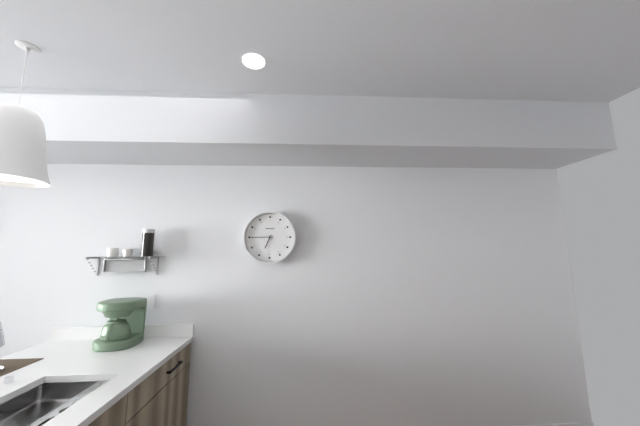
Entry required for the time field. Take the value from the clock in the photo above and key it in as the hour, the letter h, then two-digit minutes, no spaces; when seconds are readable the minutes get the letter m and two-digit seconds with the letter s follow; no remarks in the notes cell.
6h45
